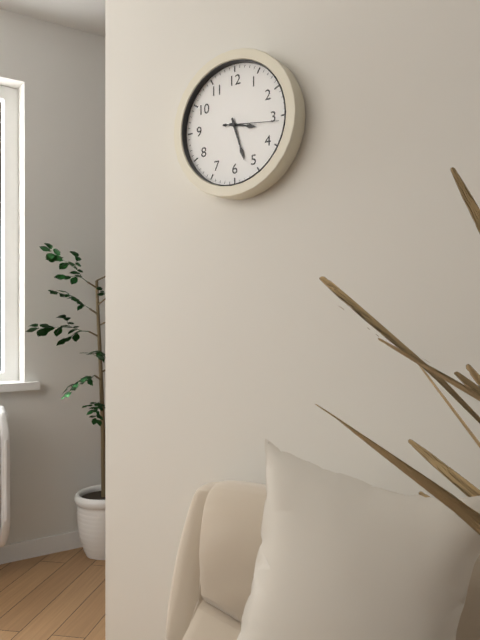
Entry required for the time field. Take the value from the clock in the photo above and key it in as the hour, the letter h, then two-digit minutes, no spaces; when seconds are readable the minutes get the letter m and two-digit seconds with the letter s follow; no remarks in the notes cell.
3h27m16s
